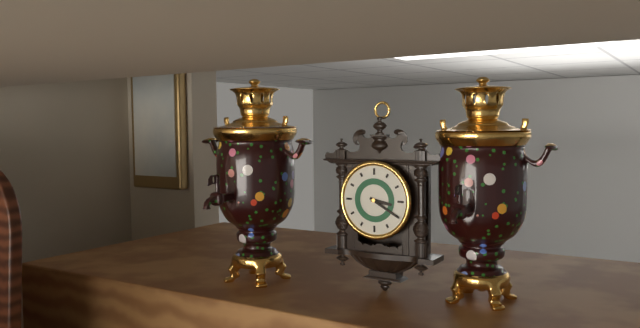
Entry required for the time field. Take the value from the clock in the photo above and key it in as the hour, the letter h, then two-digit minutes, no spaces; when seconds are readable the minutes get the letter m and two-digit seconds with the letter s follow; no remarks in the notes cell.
3h20
